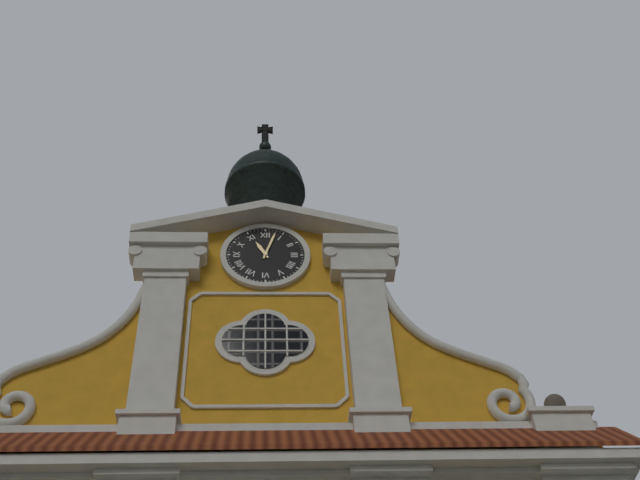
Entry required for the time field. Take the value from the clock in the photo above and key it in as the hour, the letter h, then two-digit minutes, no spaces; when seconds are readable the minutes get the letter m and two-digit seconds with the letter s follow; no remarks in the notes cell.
11h03
